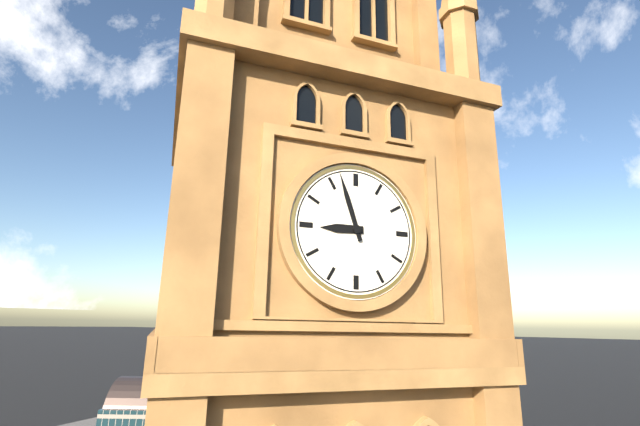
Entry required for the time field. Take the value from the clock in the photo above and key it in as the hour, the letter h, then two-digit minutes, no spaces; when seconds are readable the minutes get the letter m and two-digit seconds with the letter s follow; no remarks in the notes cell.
8h57
